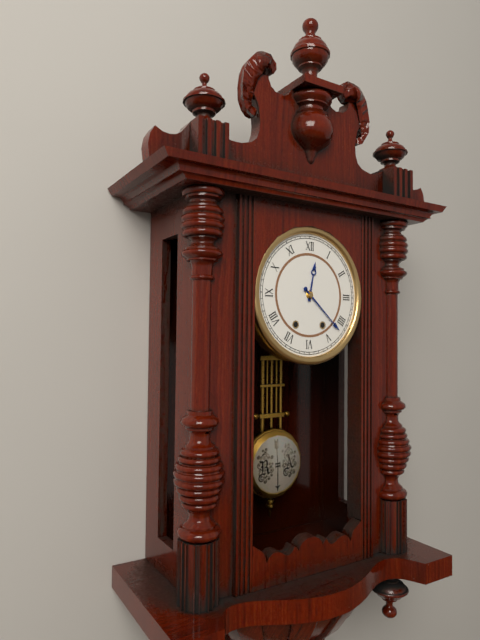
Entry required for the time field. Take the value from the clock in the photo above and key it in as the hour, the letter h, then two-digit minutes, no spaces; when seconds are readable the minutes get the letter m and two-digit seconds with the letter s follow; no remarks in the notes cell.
12h22
